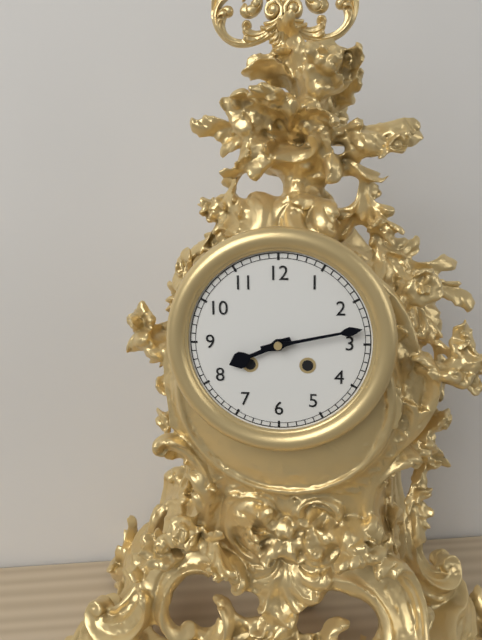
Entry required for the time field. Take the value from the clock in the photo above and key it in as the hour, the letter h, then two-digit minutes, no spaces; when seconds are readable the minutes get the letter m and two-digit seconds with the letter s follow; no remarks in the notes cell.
8h13
